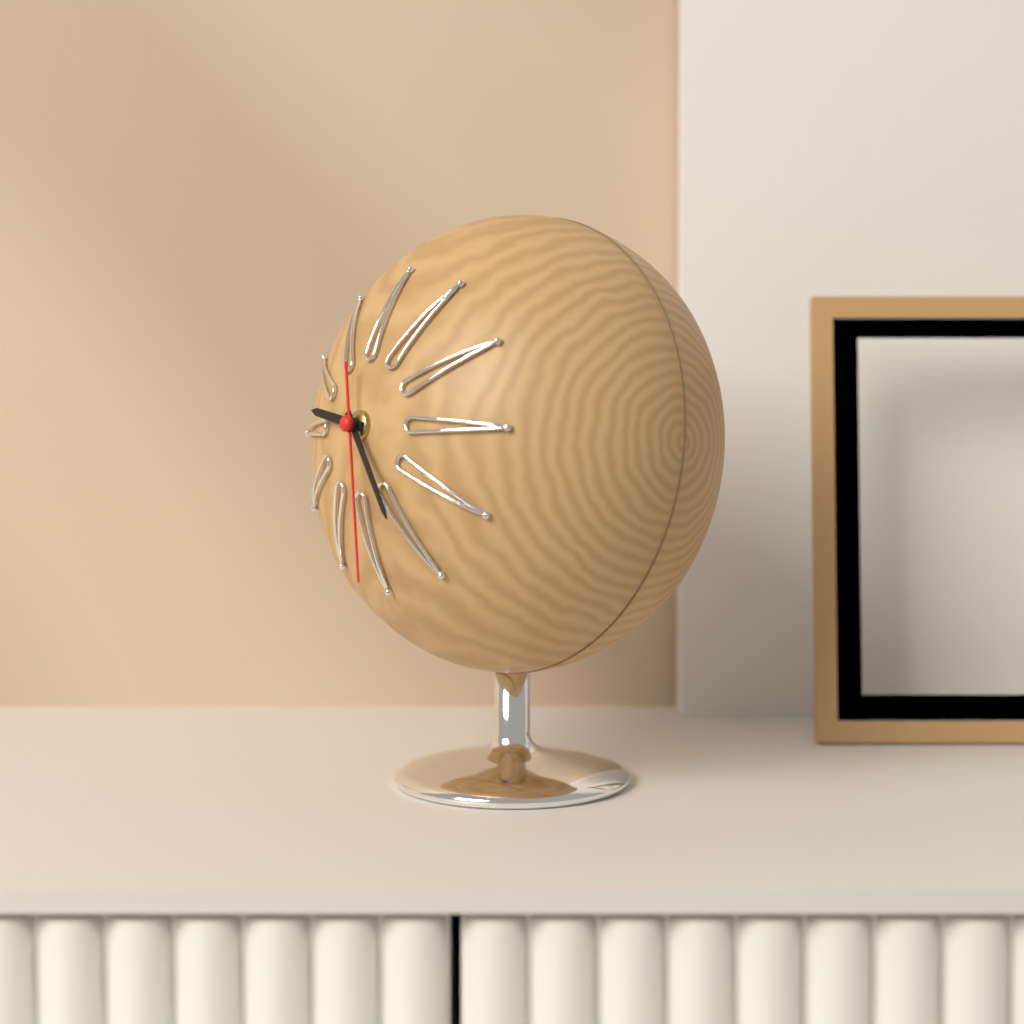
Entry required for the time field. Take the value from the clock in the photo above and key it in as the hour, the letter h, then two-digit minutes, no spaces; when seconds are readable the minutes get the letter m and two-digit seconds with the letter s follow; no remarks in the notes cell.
9h24m28s
